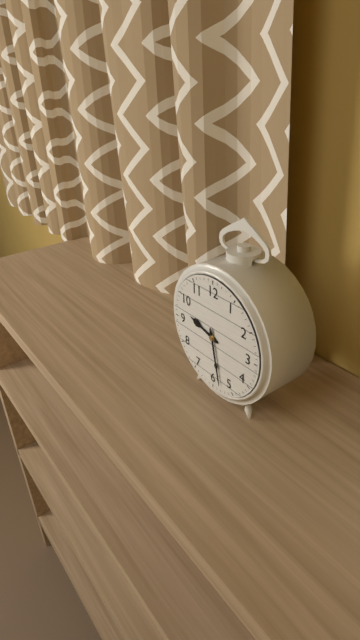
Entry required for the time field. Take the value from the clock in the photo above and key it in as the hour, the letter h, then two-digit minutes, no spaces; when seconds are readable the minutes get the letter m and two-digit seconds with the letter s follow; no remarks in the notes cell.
9h28
